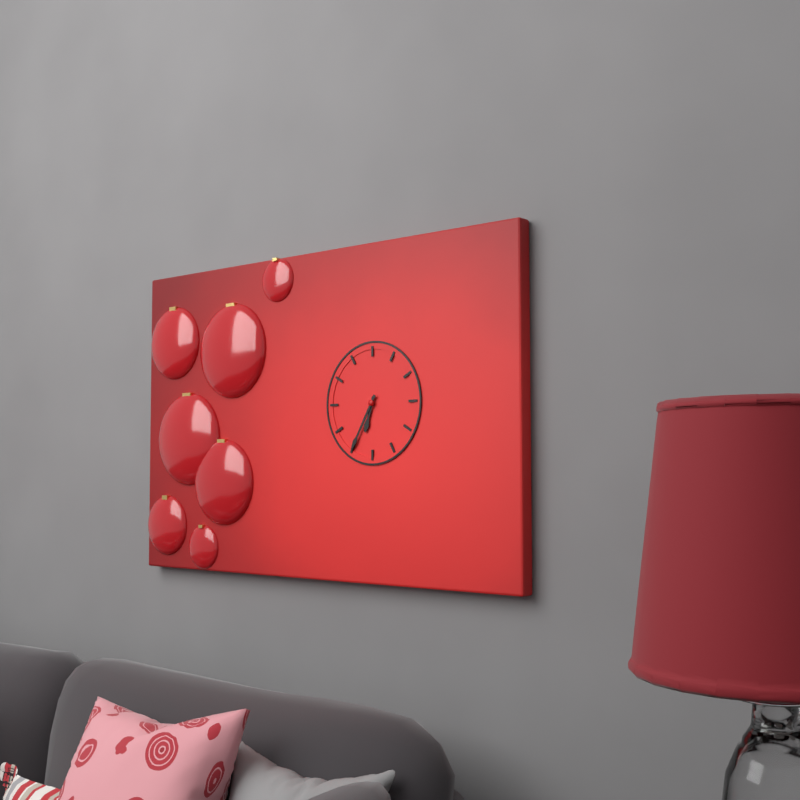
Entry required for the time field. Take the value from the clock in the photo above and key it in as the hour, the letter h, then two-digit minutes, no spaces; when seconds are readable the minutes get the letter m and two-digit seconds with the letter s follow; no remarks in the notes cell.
6h35
